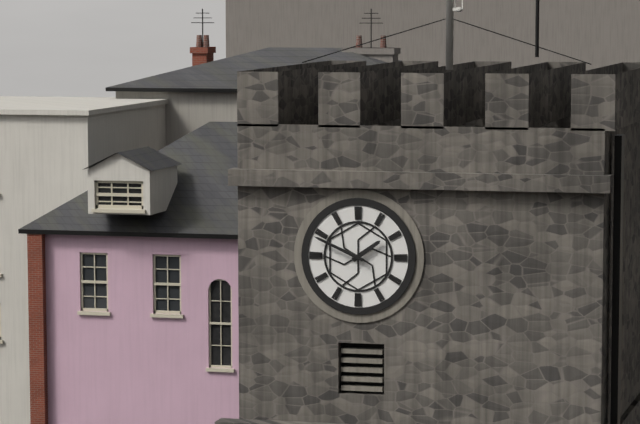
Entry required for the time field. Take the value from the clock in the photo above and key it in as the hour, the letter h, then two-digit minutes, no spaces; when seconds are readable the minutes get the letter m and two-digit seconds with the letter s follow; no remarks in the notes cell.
1h49
